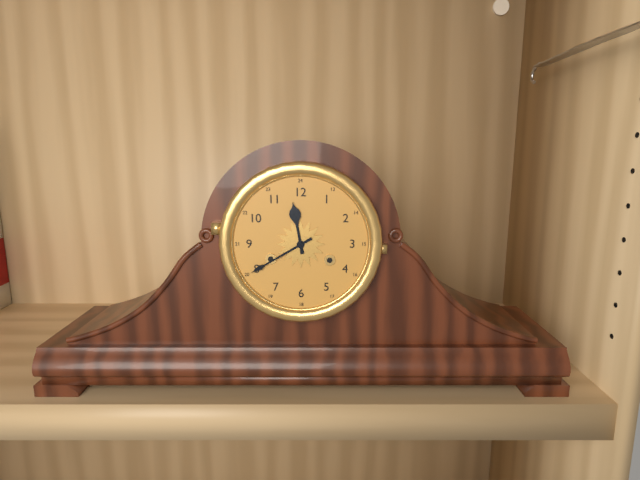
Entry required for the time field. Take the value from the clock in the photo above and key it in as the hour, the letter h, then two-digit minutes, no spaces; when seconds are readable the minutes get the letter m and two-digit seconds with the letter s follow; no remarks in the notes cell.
11h40
